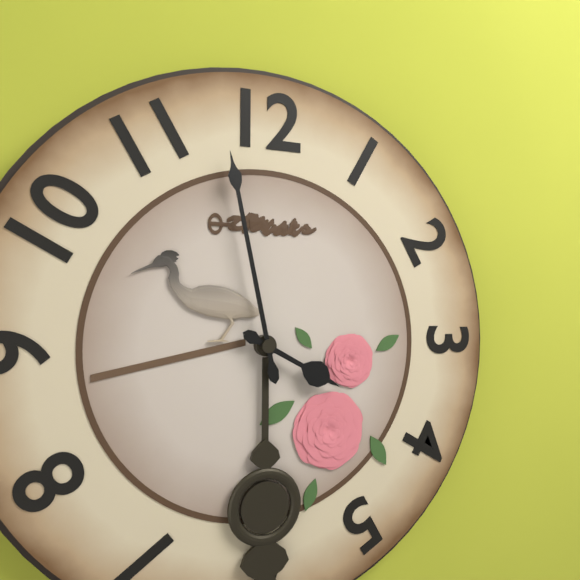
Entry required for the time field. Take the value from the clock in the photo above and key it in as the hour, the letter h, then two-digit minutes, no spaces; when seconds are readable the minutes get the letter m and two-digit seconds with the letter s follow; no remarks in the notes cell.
3h58
